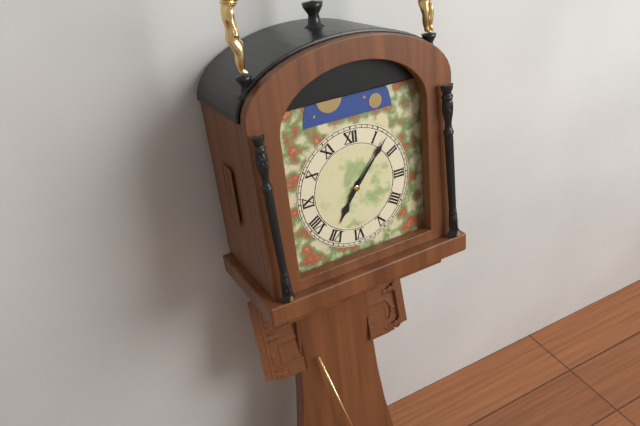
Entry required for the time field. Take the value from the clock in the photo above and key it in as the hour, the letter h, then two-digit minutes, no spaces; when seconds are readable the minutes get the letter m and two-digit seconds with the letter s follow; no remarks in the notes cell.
7h07
